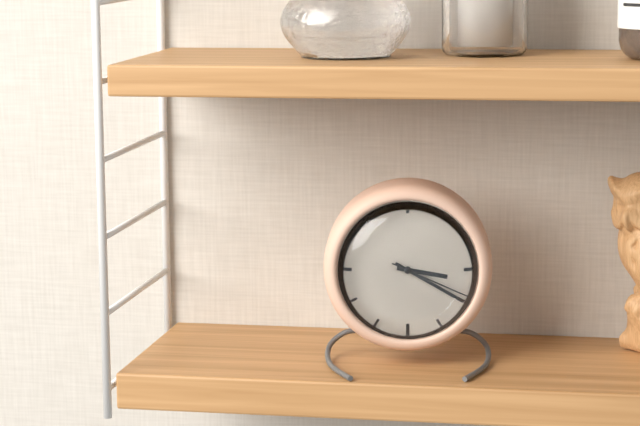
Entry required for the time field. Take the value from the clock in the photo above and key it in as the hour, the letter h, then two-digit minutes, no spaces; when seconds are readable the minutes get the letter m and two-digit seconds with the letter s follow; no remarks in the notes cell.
3h20m19s
